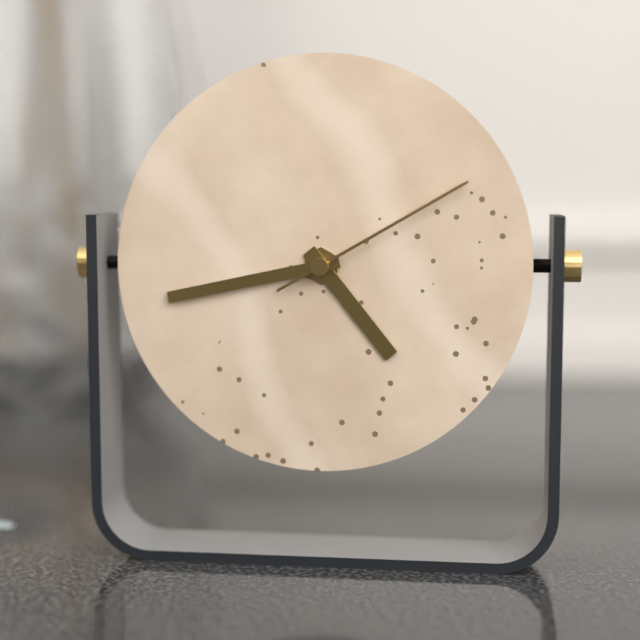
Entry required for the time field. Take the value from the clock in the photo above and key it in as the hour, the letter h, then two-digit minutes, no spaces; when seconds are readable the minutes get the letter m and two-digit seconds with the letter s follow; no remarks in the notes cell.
4h43m10s
